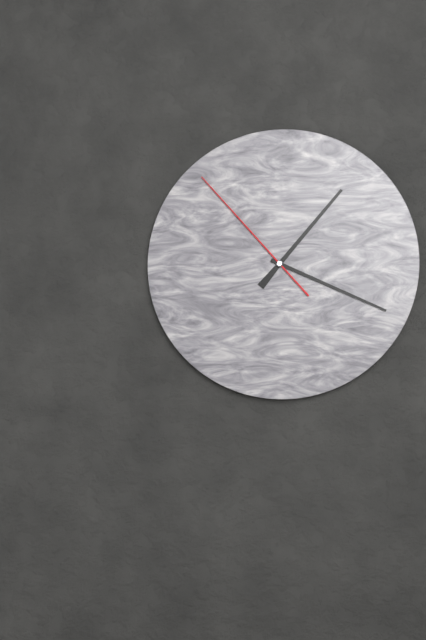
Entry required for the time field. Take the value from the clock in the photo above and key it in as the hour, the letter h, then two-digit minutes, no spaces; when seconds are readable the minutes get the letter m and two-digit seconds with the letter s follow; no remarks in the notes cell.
1h19m53s
